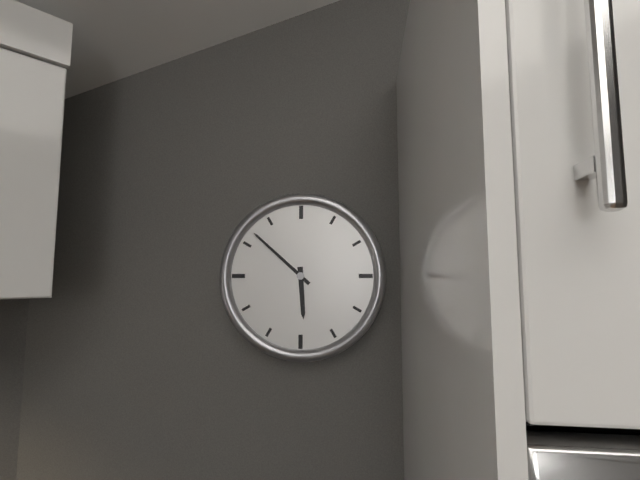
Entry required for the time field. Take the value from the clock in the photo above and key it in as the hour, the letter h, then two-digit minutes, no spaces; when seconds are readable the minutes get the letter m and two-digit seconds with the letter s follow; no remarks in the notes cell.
5h52
